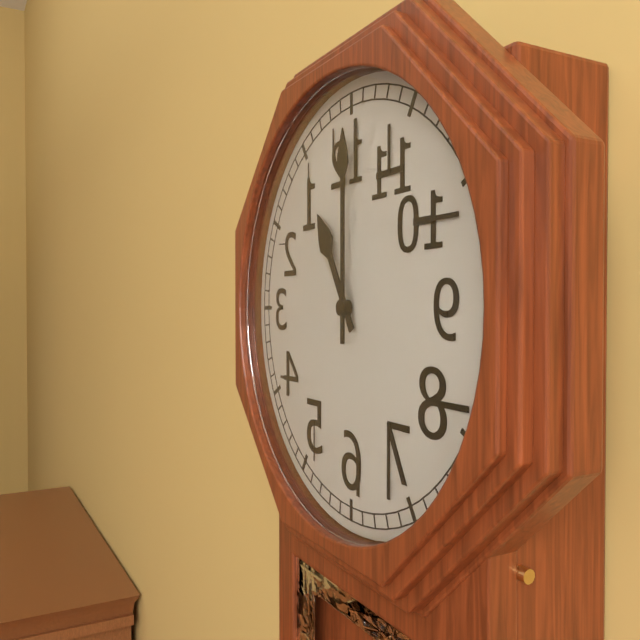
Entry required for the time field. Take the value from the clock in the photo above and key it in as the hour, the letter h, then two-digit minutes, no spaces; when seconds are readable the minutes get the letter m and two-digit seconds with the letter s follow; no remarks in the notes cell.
11h00
